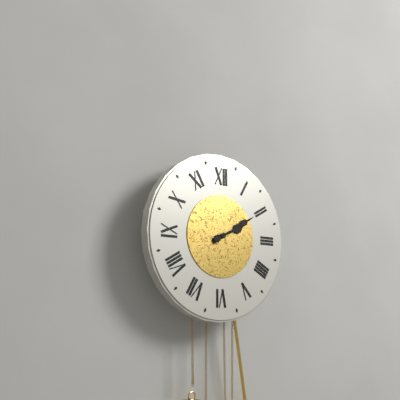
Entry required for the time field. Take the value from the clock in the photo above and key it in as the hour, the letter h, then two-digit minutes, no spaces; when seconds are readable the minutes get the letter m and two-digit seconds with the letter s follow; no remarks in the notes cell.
2h10
